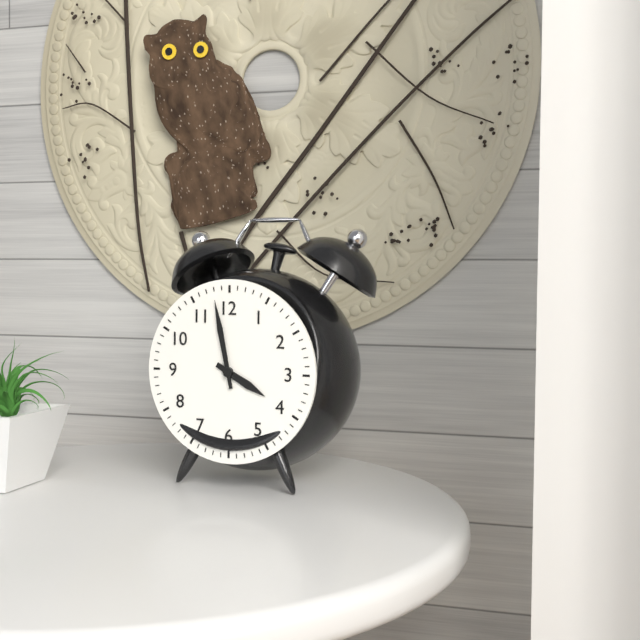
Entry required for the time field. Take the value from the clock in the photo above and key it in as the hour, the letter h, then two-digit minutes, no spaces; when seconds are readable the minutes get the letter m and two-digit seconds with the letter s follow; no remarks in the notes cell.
3h58
